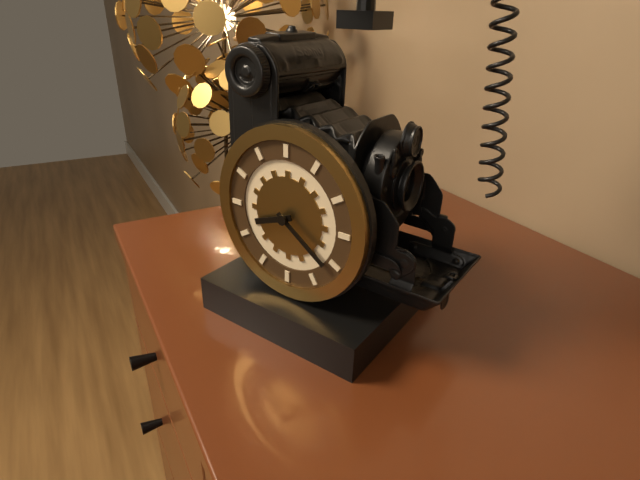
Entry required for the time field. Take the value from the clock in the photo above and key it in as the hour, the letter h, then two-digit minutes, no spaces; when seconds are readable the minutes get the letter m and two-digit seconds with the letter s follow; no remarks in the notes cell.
8h21
